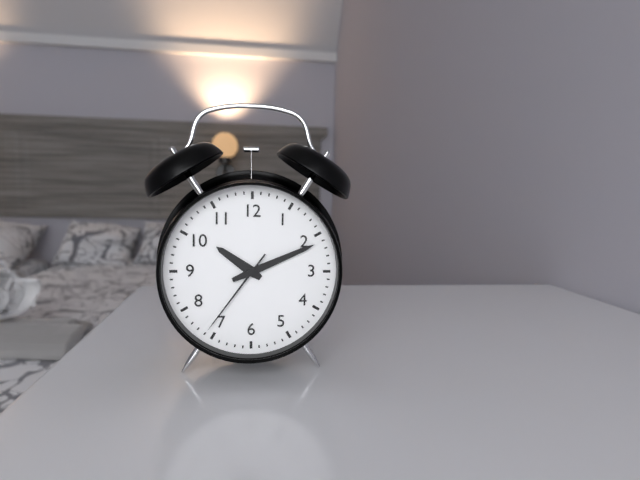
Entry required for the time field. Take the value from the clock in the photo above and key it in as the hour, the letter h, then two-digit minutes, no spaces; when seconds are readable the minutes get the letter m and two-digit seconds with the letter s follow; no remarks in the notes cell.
10h11m36s
